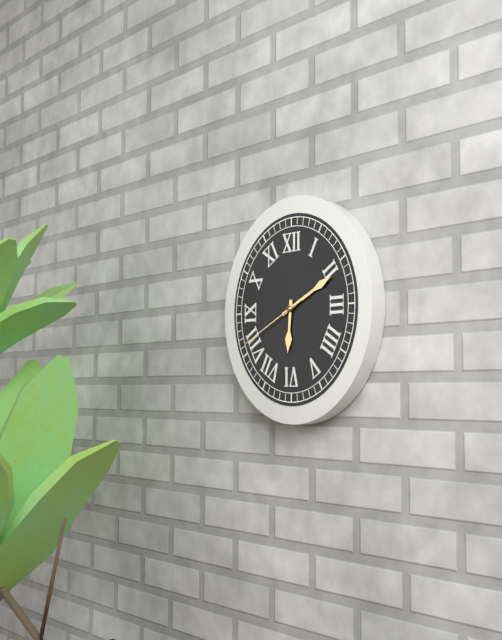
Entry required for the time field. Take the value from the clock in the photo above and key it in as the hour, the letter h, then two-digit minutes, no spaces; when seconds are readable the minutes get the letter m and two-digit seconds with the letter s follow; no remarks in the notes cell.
6h11m41s
